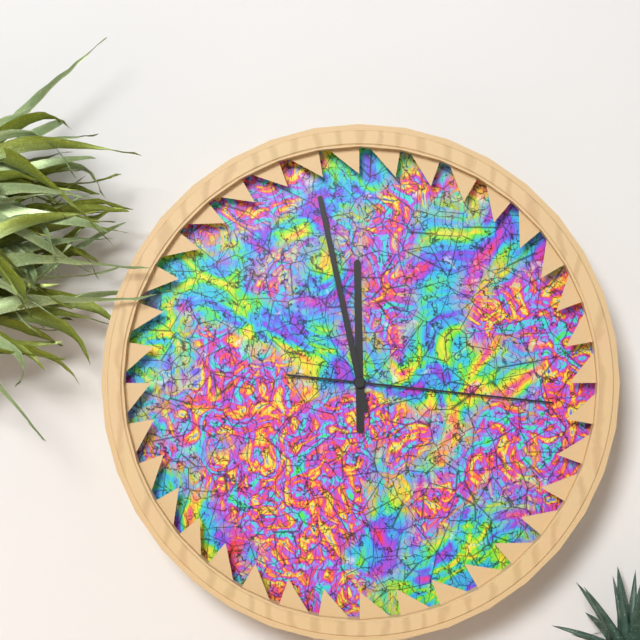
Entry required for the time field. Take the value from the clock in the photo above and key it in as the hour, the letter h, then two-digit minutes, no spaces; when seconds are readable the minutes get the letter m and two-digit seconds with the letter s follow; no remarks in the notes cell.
11h58m16s
